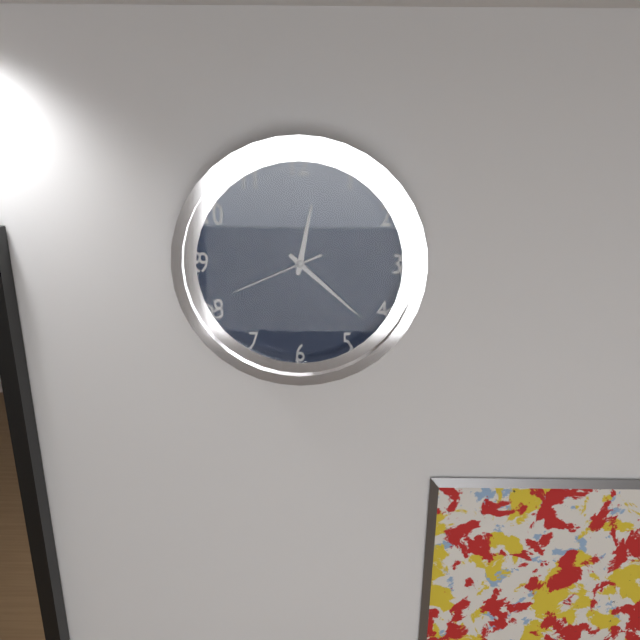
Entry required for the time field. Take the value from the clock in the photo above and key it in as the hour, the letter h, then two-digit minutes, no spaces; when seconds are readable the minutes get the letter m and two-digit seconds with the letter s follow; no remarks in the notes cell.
12h22m41s
